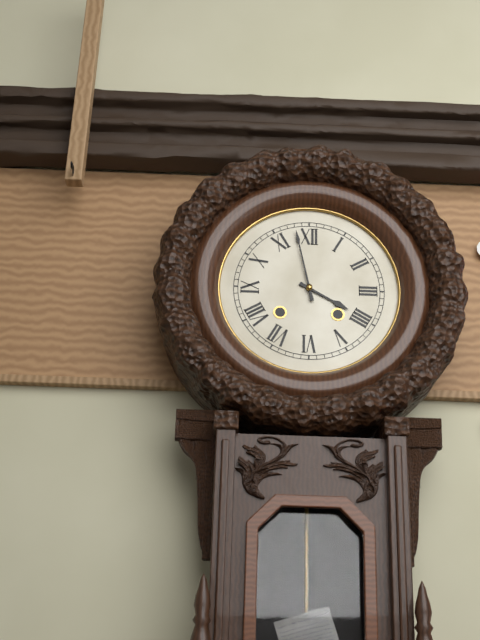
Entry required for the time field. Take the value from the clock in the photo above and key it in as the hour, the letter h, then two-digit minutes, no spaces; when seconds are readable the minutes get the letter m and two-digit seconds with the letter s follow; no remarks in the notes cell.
3h58
